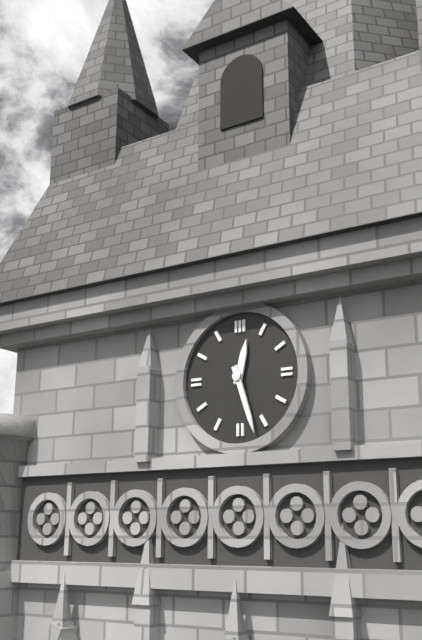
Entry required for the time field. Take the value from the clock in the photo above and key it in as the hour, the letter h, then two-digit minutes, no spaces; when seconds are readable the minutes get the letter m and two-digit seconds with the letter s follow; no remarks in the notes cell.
12h27
